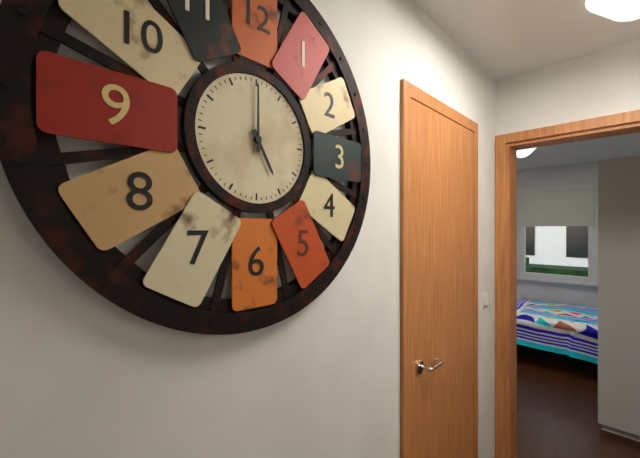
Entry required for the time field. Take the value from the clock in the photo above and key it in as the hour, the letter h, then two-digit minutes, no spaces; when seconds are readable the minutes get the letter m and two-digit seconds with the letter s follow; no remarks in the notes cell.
5h00
